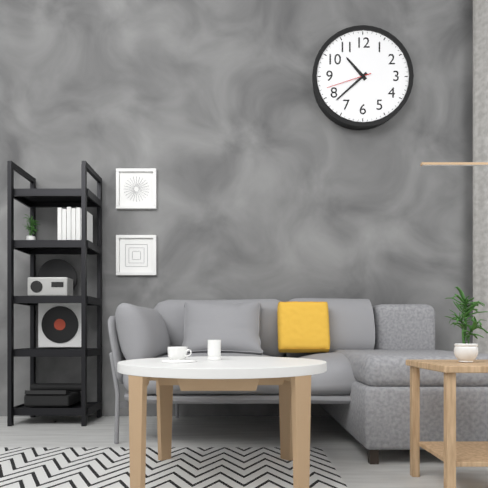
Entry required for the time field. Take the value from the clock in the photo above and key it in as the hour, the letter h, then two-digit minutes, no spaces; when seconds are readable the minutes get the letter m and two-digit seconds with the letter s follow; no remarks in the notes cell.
10h38
